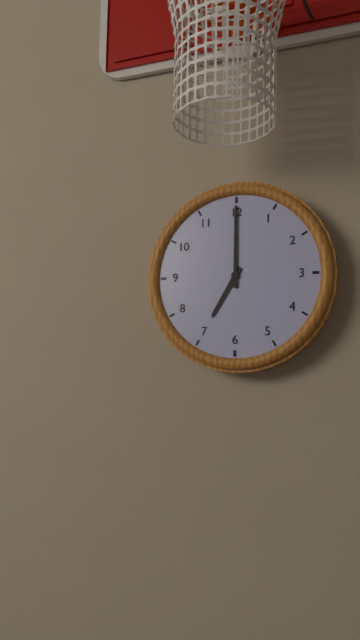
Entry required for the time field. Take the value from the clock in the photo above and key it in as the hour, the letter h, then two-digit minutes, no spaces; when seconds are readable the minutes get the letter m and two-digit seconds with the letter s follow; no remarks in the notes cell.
7h00
